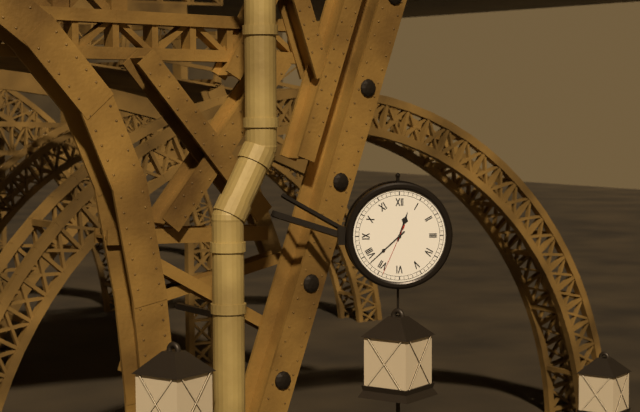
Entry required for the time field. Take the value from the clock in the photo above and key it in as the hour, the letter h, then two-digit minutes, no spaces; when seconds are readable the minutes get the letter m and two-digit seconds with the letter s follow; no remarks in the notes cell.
12h38m34s
